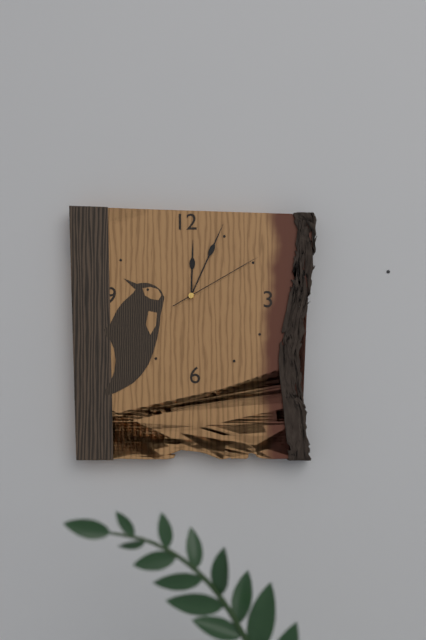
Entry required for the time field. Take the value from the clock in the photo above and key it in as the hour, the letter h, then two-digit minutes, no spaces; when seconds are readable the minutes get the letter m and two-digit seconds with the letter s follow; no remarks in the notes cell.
12h04m10s
